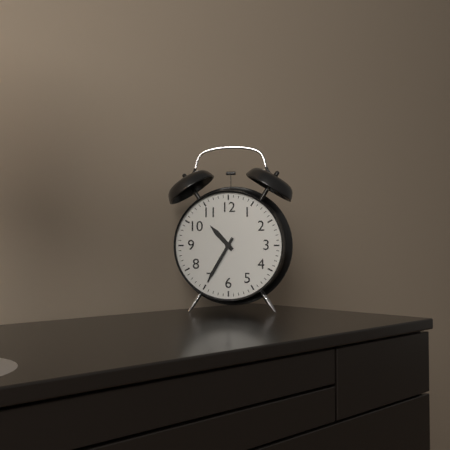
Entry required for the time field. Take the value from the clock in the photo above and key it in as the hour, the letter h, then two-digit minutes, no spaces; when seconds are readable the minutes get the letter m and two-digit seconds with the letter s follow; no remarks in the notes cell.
10h35
